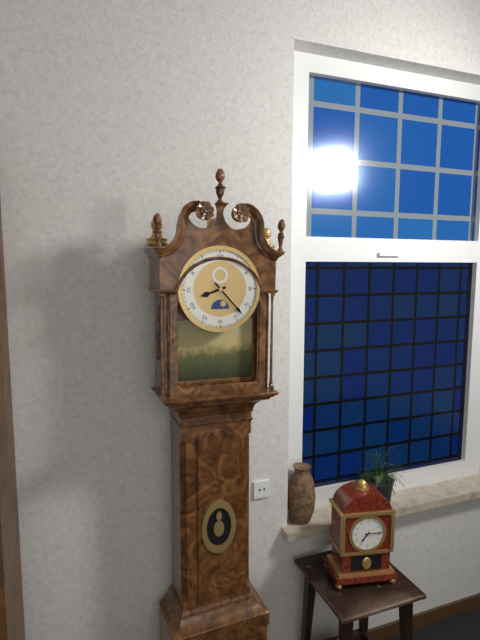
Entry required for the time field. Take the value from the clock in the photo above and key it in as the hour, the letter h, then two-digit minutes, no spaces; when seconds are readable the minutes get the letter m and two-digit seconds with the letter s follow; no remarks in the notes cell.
8h23
